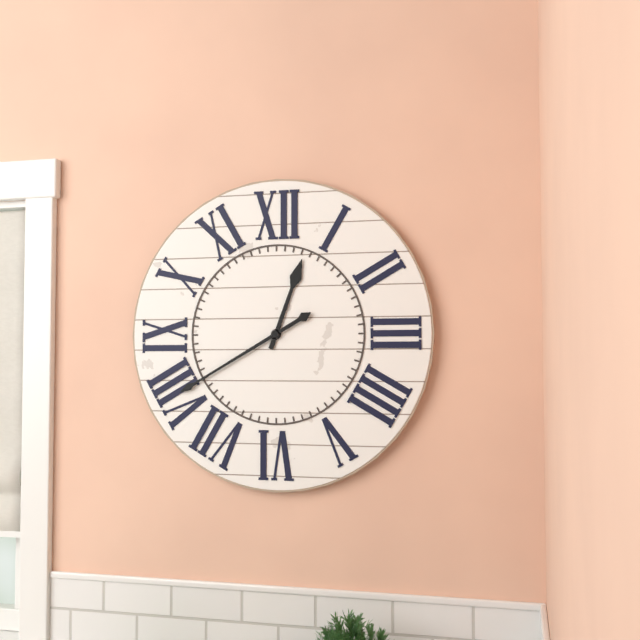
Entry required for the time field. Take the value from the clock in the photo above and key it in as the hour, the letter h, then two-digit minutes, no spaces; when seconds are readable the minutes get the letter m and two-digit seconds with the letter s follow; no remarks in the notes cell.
12h40
